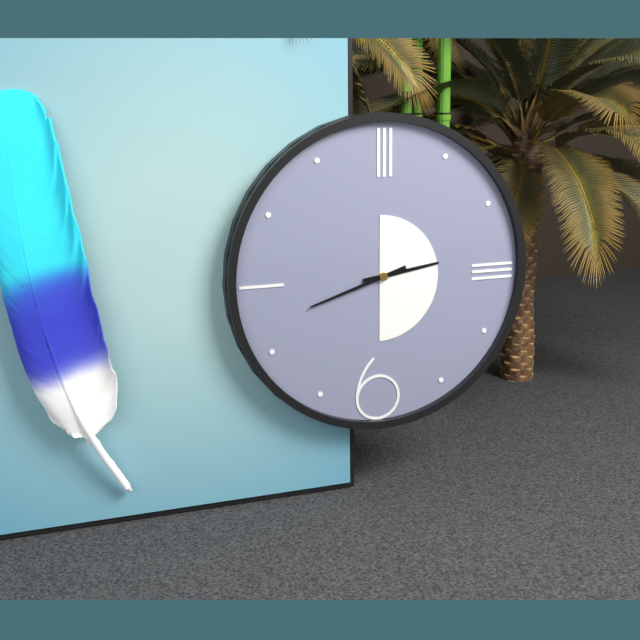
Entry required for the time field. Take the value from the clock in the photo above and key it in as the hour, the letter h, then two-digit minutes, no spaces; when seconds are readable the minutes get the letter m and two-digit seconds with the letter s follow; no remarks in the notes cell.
2h42
